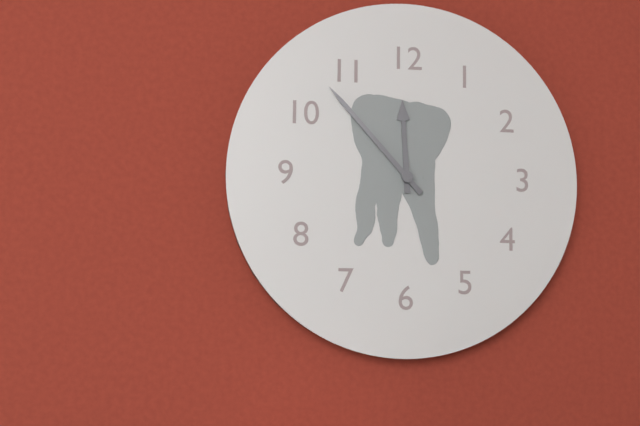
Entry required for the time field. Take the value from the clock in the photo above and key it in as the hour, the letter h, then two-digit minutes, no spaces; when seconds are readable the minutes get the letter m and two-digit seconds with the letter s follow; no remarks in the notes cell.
11h53
